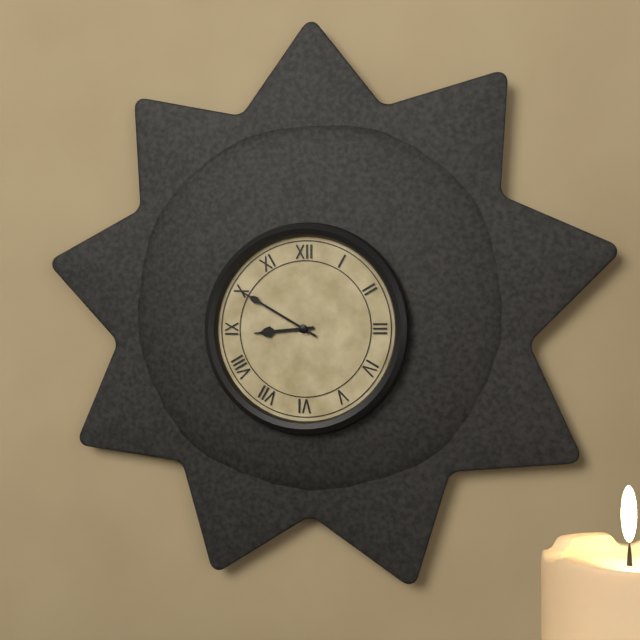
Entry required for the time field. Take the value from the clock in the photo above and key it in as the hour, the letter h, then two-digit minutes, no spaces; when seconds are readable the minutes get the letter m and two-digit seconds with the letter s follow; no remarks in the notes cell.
8h50
